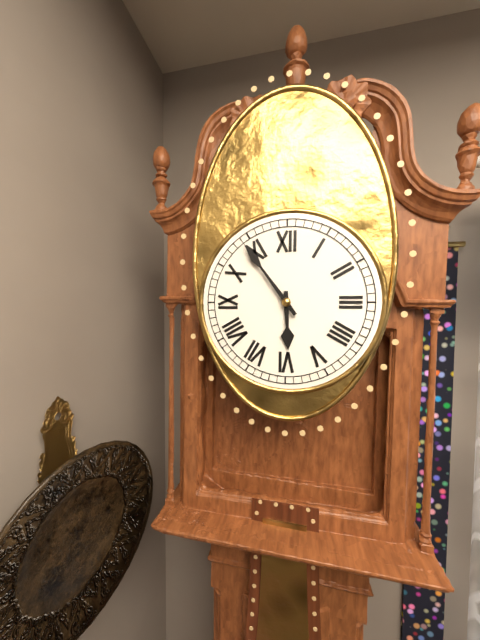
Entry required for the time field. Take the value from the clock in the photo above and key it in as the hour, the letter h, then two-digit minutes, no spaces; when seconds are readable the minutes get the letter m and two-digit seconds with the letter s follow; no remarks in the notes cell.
5h54
